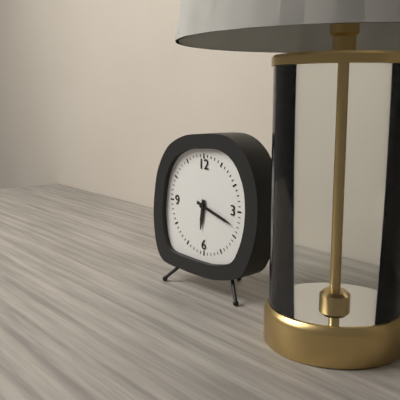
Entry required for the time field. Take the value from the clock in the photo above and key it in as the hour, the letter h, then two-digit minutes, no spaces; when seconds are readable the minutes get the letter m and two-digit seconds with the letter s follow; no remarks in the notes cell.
6h18
